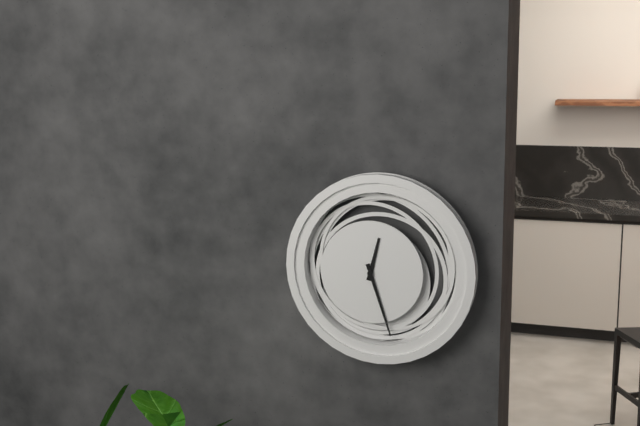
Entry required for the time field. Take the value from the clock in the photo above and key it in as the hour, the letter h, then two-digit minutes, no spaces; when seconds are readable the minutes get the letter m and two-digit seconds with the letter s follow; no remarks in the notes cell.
12h27
